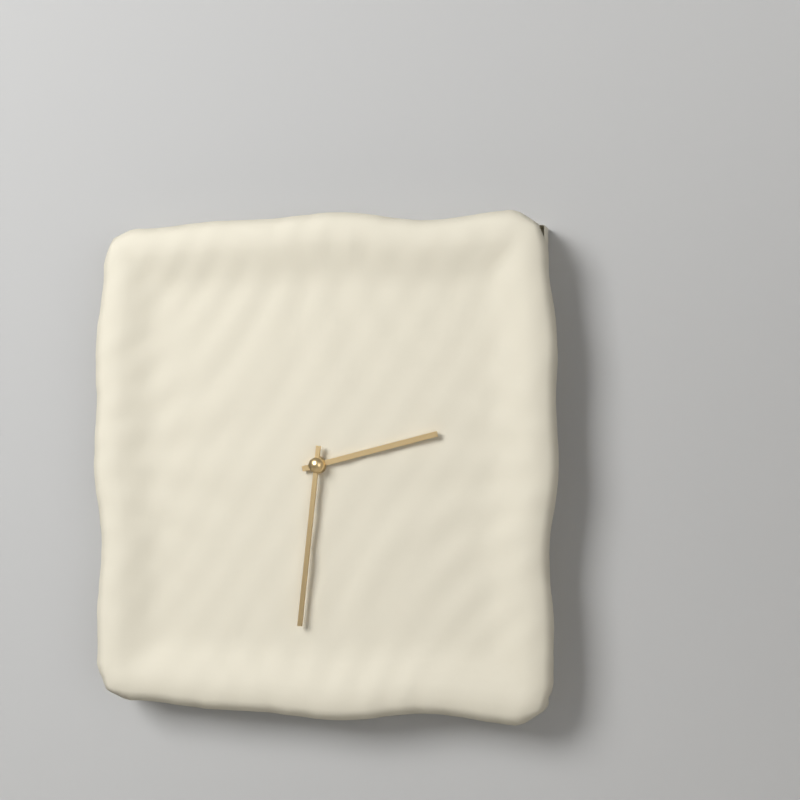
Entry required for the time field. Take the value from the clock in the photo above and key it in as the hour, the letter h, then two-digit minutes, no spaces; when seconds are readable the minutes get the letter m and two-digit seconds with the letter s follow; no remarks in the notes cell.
2h31
